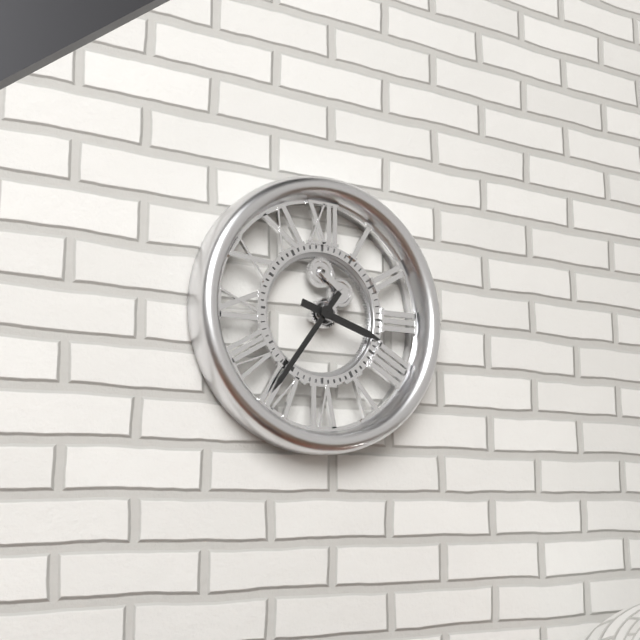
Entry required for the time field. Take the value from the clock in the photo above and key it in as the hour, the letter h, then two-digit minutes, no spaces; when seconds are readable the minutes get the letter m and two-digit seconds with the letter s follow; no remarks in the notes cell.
3h36
